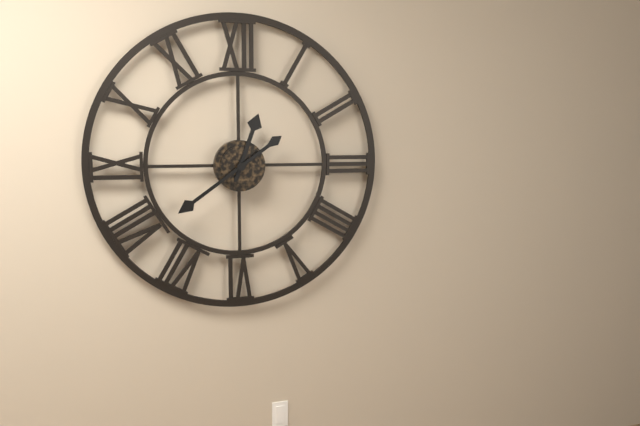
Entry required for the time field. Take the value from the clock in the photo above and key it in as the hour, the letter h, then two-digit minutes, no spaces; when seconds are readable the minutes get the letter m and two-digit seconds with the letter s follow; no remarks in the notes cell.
12h39
